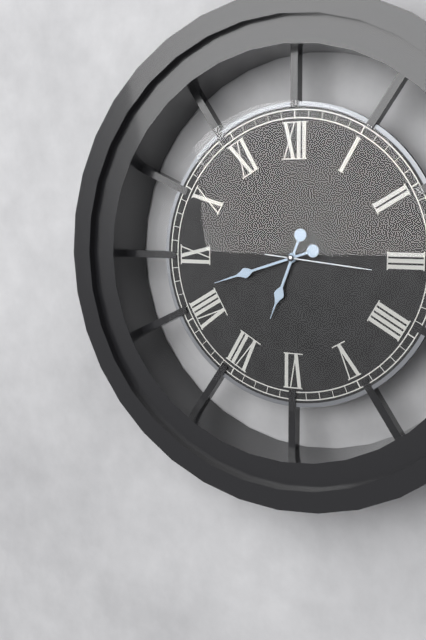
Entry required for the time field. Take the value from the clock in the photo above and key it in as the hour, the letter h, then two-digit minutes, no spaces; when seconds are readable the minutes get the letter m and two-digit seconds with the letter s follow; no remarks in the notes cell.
6h42m16s
